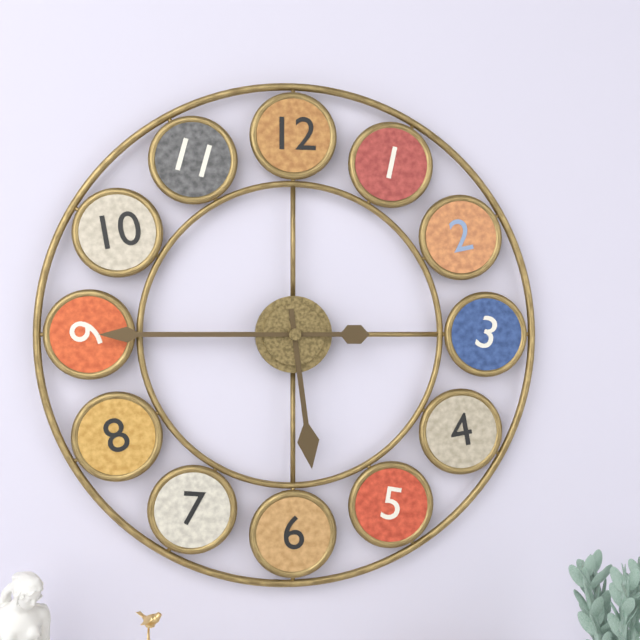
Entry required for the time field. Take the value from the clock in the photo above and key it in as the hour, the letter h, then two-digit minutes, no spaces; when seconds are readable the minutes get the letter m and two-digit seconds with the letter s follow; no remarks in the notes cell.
5h45
